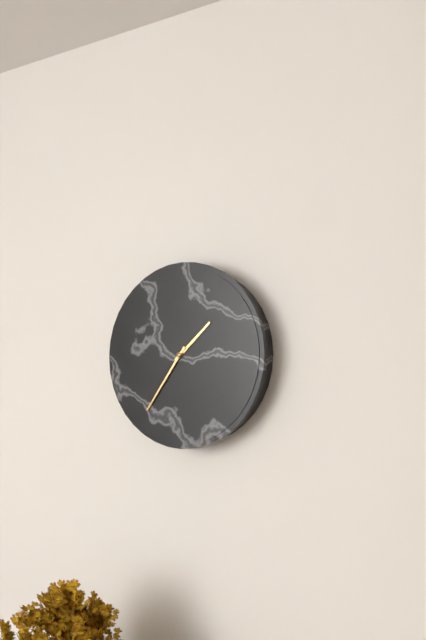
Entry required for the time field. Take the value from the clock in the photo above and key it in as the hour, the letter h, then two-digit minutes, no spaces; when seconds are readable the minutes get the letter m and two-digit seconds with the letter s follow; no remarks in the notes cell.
1h36
